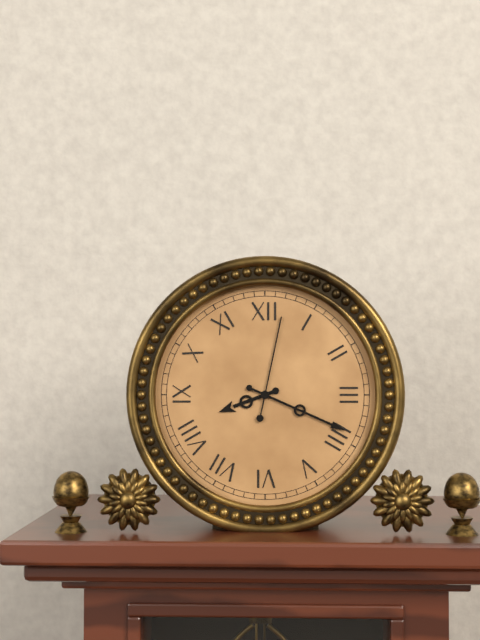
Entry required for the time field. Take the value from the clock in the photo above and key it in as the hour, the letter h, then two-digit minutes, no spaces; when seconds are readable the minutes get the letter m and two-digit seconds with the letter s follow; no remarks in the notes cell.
8h19m02s
